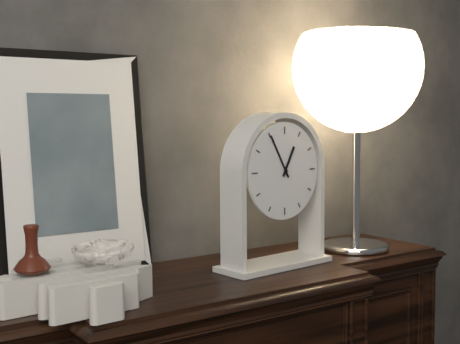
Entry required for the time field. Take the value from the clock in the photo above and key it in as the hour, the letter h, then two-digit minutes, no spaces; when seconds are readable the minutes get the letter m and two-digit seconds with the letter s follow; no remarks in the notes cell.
12h55
